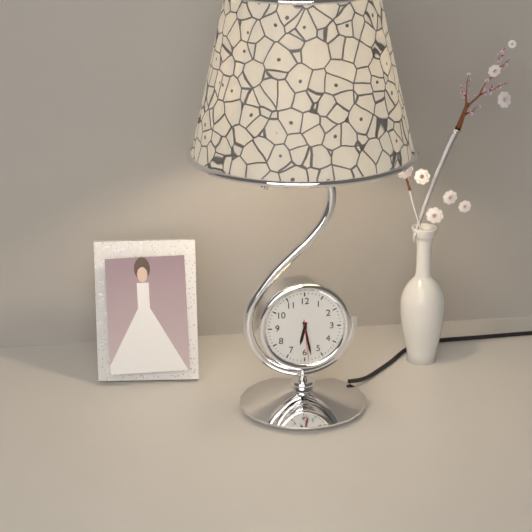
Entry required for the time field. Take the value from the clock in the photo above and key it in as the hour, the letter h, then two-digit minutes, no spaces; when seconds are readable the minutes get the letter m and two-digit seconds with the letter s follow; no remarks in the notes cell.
6h28
